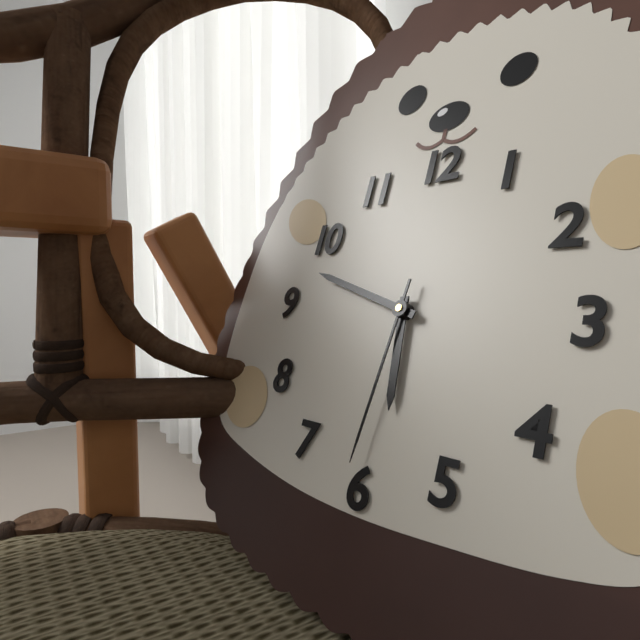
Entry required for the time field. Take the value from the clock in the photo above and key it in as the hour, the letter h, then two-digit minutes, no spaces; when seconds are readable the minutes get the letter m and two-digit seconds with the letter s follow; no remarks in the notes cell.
5h48m31s
